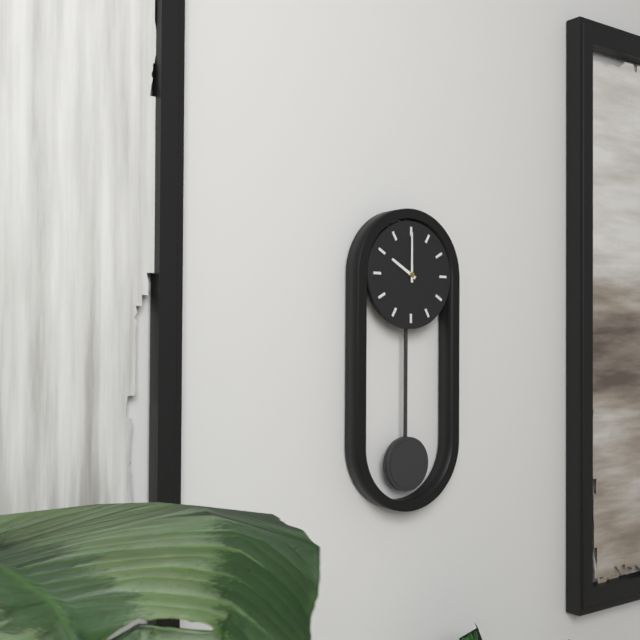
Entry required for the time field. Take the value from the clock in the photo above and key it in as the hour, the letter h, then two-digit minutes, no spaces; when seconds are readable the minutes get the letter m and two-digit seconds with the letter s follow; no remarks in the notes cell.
10h00
